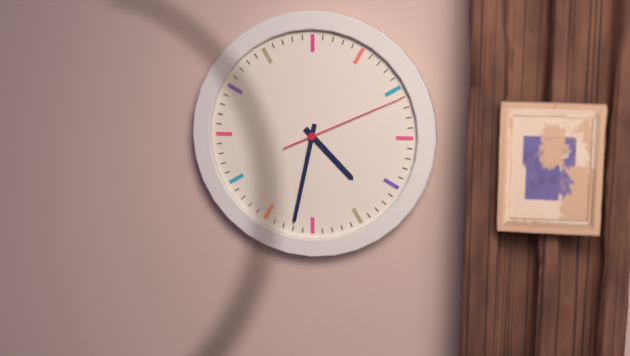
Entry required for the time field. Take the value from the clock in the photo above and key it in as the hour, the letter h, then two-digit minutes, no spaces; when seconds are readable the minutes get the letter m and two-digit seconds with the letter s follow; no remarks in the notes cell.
4h32m11s
